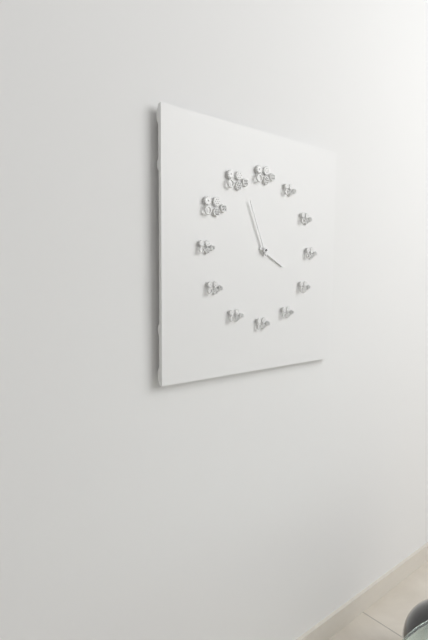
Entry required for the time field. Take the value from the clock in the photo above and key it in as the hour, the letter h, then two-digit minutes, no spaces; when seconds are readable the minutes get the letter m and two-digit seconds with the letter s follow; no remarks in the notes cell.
3h56
